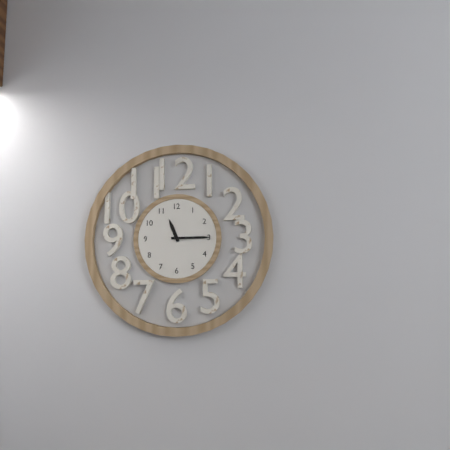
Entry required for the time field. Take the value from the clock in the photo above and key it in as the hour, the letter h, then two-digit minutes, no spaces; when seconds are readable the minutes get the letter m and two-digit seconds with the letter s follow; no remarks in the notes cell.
11h15
